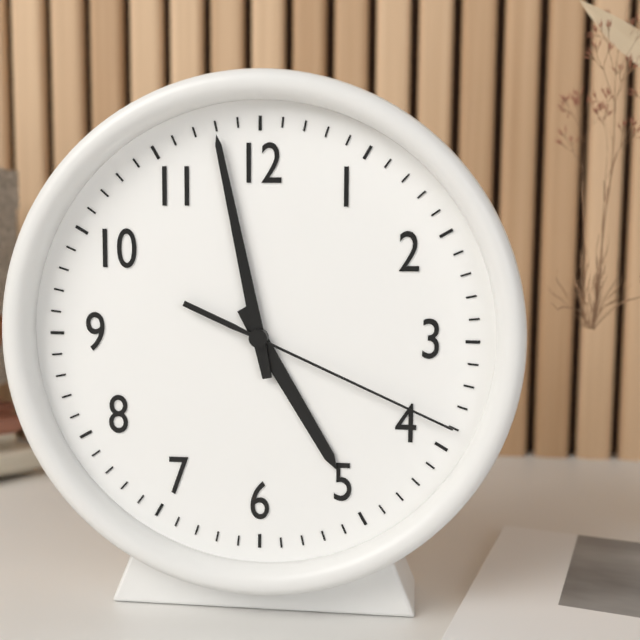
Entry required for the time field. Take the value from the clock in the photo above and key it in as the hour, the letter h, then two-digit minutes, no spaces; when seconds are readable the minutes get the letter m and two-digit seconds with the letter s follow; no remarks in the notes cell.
4h58m19s
